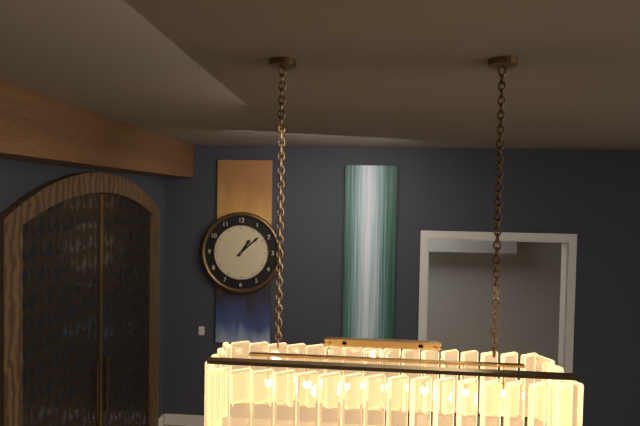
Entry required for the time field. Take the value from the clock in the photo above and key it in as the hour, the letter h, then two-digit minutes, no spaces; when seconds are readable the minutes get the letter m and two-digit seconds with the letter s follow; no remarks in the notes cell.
1h08
